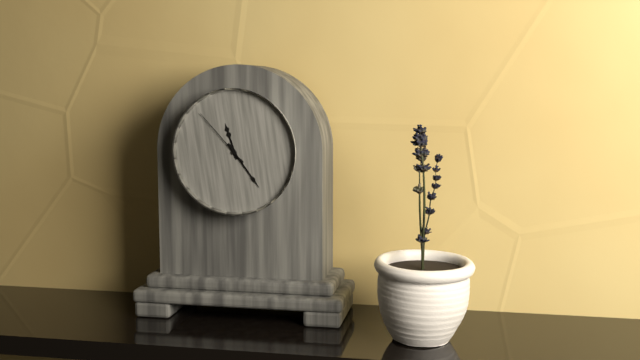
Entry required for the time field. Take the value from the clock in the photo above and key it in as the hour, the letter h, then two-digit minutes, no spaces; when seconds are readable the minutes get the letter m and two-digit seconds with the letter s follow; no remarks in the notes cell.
11h24m53s
